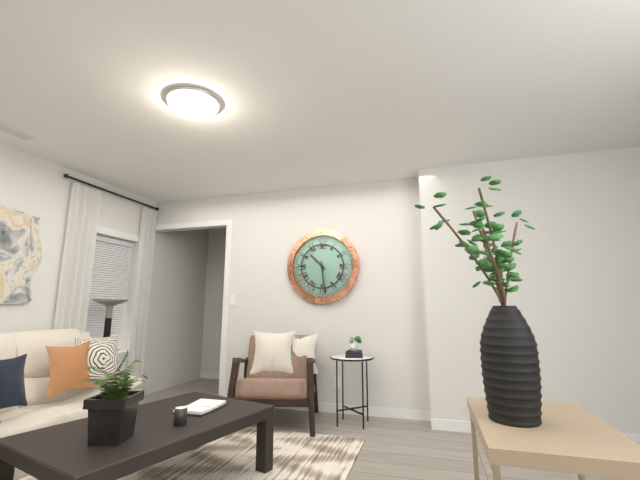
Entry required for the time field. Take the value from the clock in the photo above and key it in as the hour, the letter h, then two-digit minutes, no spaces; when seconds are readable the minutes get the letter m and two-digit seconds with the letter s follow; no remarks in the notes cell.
10h29
